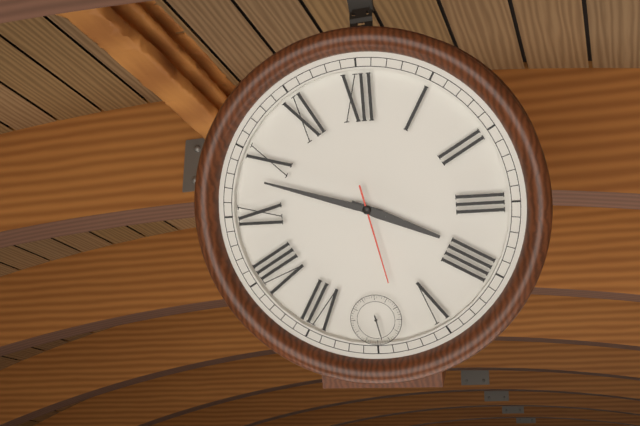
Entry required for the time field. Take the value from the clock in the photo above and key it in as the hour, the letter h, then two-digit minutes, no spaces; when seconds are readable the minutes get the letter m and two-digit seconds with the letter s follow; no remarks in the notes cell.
3h48m28s
